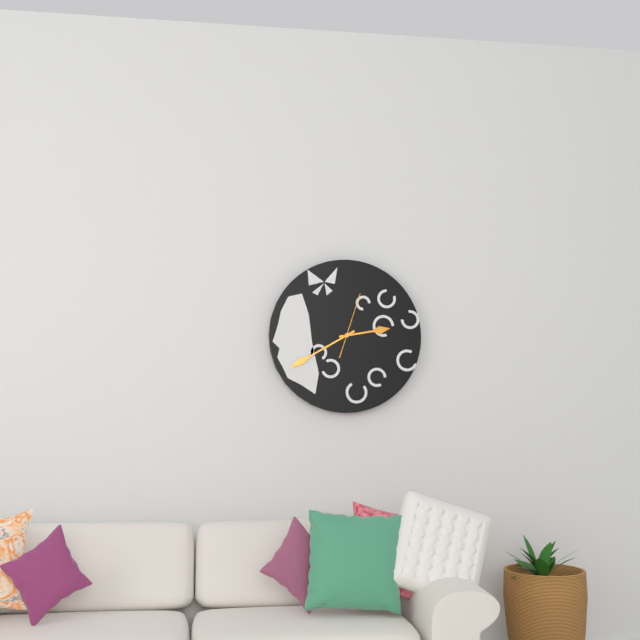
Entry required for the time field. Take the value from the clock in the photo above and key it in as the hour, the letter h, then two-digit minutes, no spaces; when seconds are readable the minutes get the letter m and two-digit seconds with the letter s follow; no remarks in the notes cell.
2h40m03s
